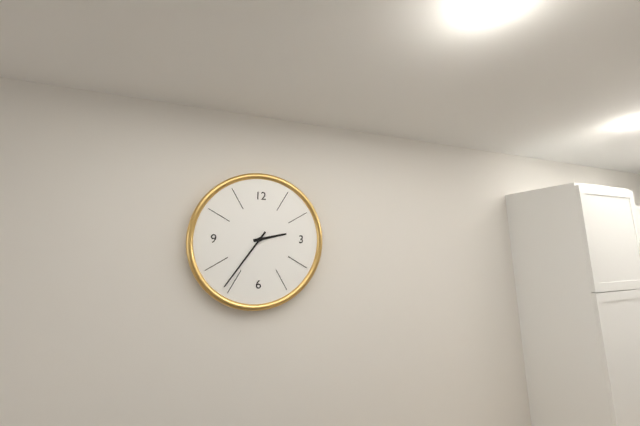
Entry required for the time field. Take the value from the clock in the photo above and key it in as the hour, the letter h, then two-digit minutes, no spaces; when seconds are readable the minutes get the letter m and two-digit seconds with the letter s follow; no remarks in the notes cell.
2h36
